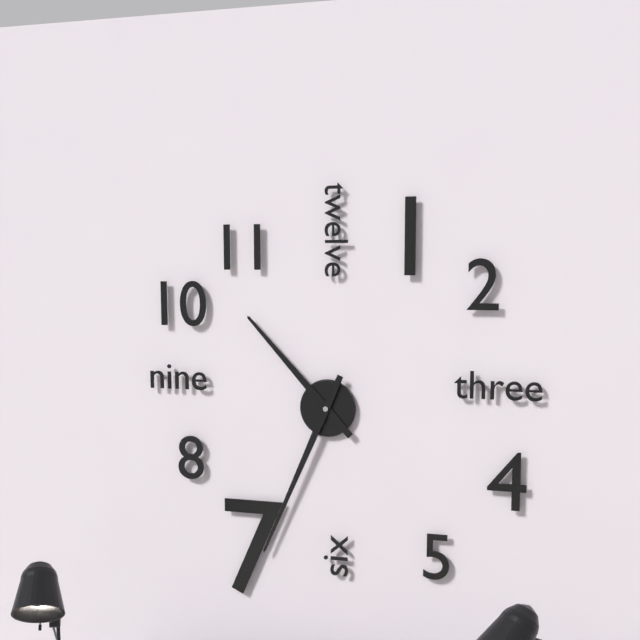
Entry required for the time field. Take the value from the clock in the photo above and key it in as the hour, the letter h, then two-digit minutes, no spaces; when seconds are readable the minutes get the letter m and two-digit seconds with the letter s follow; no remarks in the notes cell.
10h34
